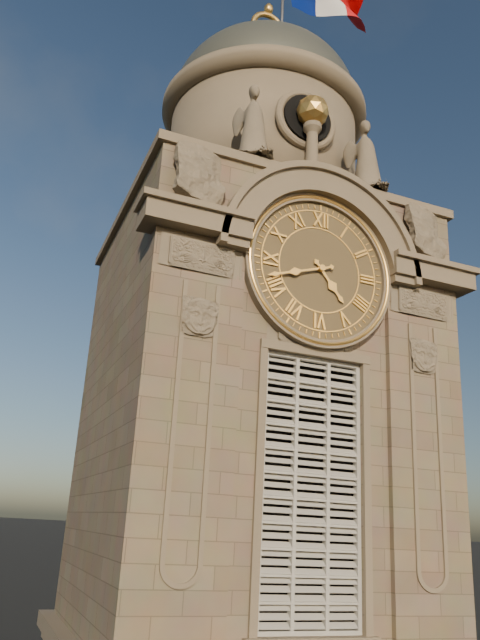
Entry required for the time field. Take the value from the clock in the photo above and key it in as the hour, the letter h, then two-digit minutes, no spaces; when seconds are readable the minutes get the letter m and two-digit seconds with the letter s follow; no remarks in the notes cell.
4h42
